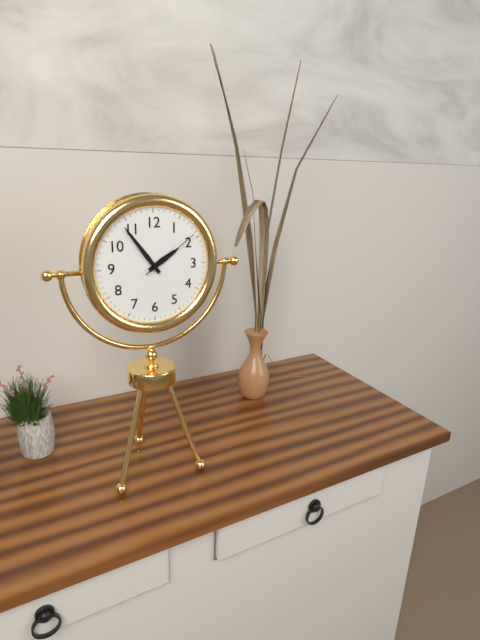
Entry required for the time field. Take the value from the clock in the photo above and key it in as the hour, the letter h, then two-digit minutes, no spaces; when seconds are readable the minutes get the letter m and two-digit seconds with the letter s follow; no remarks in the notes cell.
1h54m09s
